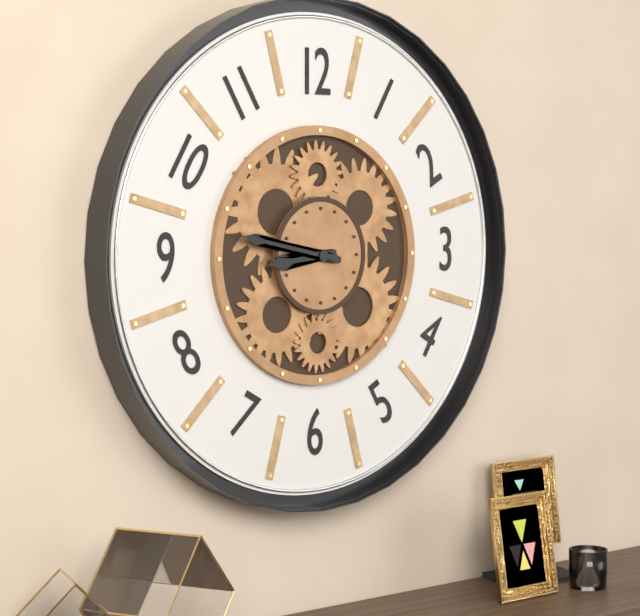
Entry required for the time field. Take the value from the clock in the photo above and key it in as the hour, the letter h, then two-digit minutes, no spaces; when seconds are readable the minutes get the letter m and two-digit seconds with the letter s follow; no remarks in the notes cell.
8h47
